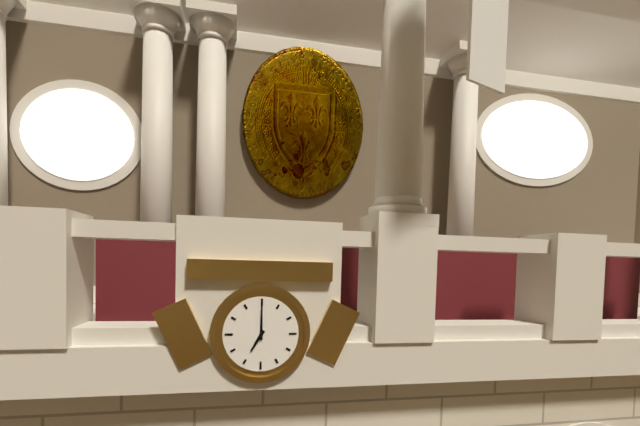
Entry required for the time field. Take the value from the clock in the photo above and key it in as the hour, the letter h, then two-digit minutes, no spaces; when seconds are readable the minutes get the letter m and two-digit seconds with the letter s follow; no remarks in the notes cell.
7h00
